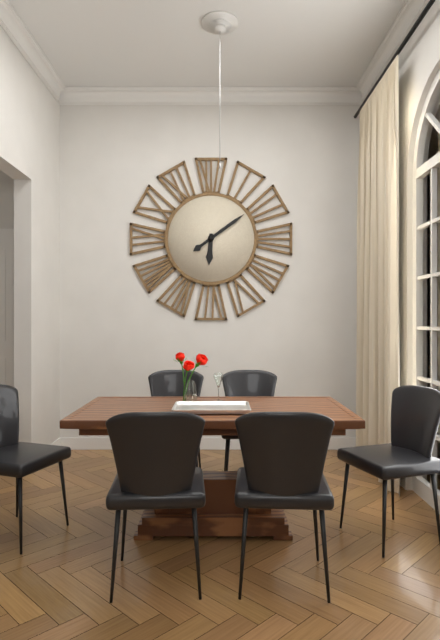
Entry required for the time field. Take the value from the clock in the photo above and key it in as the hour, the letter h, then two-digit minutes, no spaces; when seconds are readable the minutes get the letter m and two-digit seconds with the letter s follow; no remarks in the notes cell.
6h09
